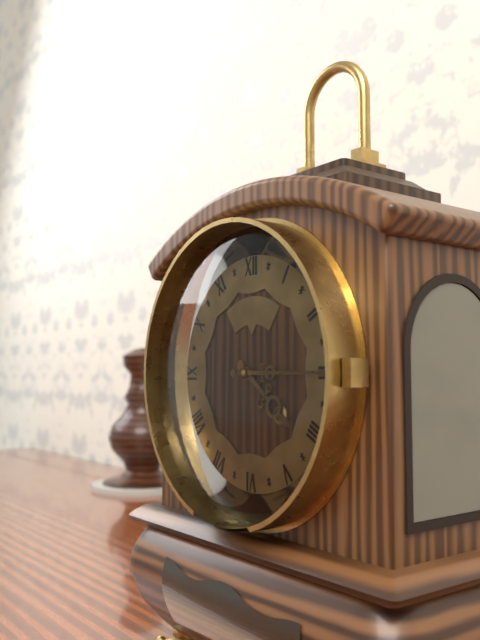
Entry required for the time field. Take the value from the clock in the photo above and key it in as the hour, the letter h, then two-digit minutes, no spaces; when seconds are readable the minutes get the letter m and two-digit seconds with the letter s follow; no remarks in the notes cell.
4h15
